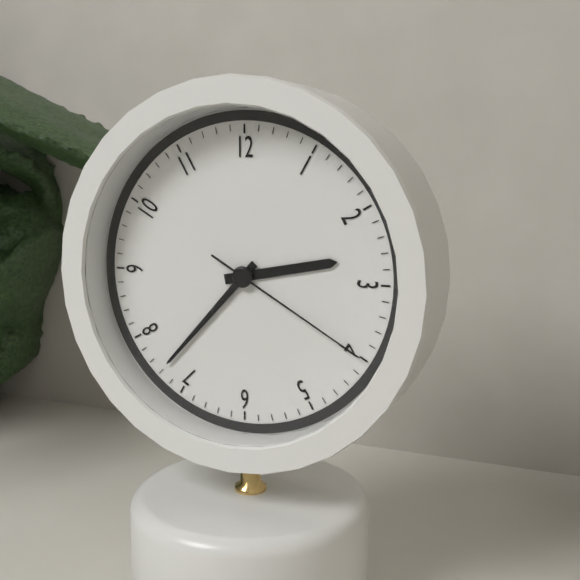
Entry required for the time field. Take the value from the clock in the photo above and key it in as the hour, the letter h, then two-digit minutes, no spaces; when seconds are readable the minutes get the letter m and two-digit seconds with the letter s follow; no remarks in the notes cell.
2h37m20s
